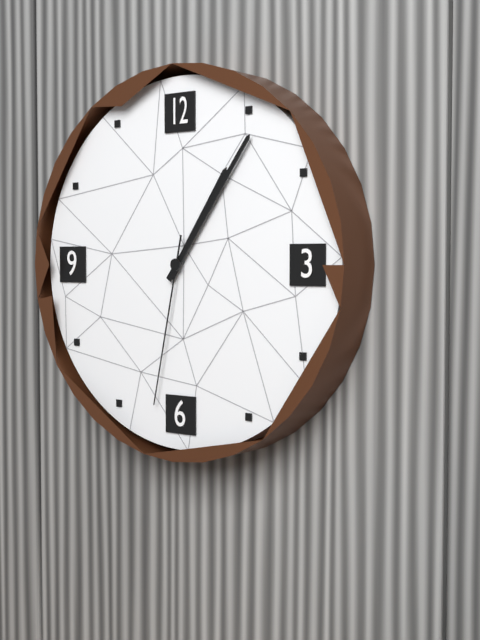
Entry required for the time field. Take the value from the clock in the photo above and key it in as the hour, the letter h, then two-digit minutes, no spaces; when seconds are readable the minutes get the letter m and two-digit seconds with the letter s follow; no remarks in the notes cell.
1h06m32s
